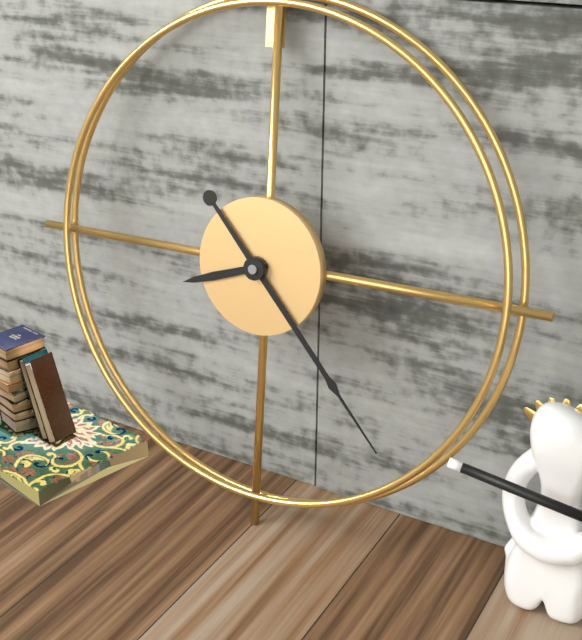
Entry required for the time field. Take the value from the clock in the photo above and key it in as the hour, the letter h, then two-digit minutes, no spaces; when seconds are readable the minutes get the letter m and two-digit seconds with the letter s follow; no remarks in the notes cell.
8h23
